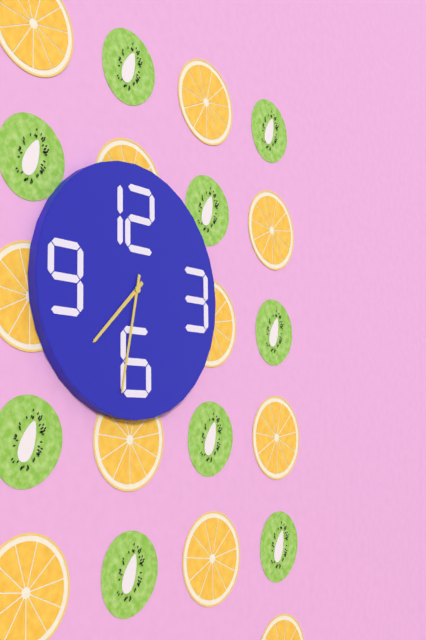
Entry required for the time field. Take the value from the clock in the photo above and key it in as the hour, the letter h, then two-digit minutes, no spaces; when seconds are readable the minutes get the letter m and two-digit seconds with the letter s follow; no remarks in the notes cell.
7h32
